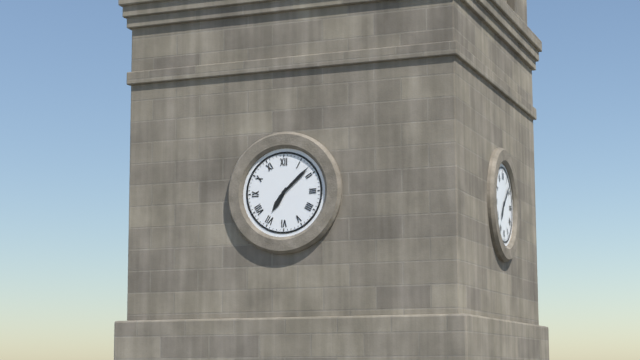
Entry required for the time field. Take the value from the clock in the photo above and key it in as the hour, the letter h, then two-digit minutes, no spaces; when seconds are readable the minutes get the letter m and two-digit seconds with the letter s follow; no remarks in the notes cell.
7h08
